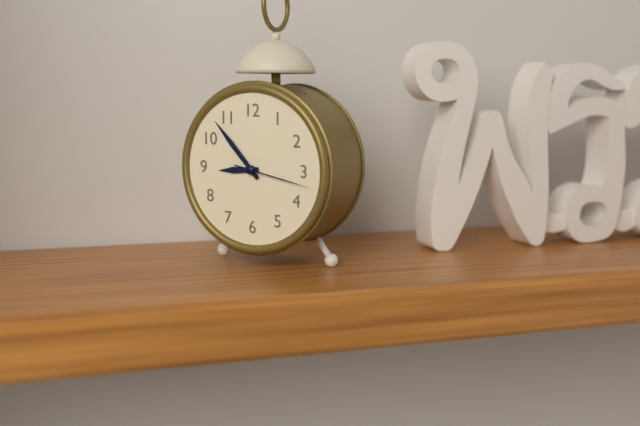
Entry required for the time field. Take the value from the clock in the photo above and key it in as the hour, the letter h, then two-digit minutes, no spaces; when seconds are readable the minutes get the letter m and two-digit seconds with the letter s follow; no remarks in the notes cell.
8h53m17s
